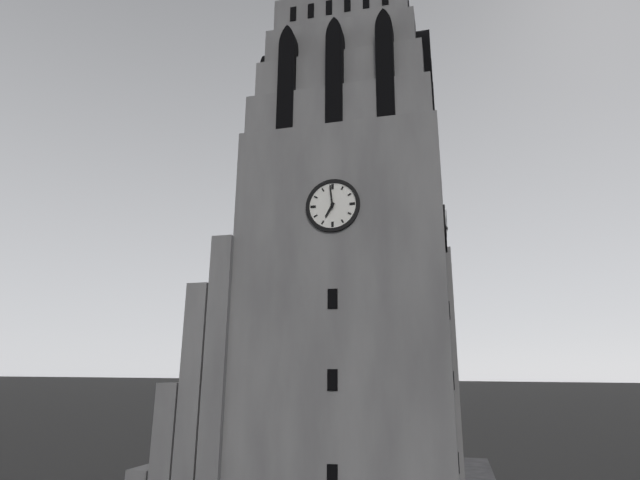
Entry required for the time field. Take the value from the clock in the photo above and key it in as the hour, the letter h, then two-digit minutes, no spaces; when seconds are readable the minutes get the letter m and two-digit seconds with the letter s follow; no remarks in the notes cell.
6h59
